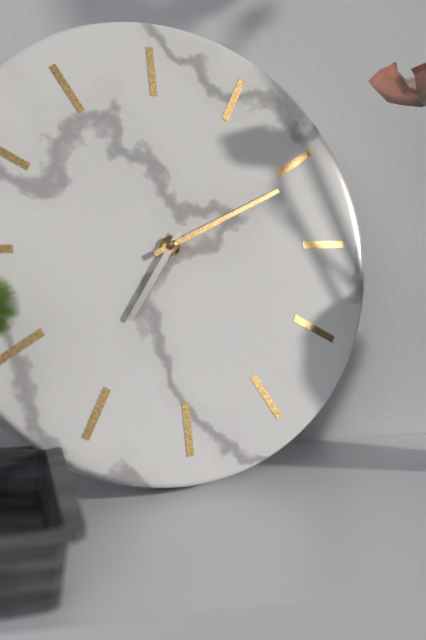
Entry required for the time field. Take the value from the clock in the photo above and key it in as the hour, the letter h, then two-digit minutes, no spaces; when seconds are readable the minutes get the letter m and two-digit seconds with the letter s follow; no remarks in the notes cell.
7h11
